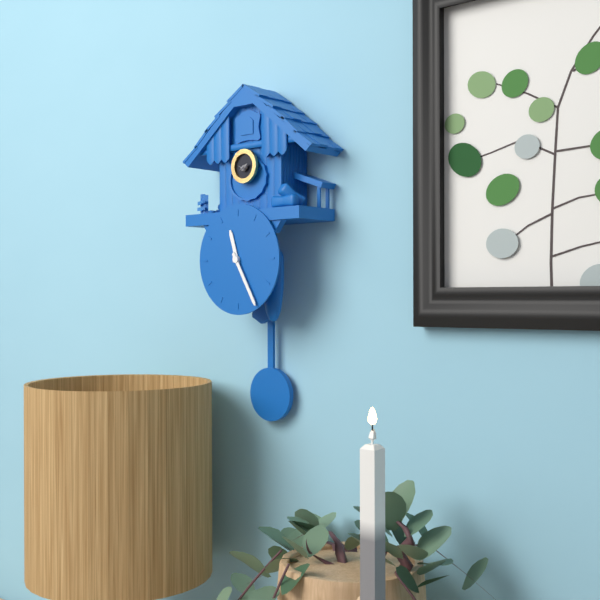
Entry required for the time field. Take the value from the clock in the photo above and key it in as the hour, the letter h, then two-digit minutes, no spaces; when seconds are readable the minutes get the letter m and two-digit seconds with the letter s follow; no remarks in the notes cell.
11h25
